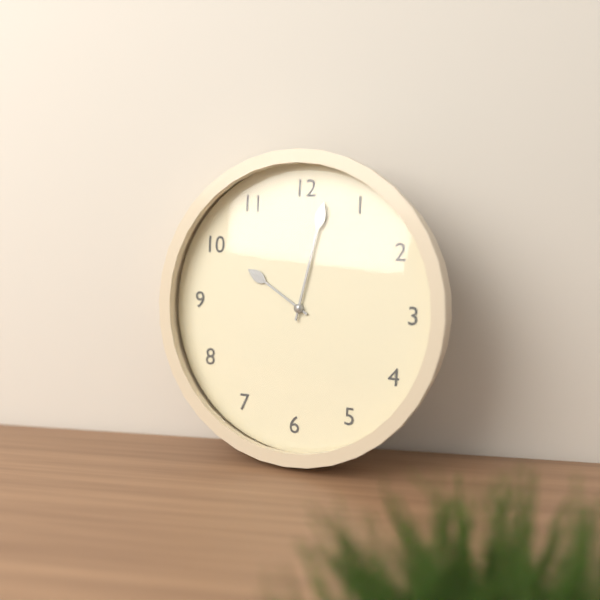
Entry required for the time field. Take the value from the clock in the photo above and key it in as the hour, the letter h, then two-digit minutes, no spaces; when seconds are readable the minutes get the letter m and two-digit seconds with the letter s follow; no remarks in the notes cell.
10h02
